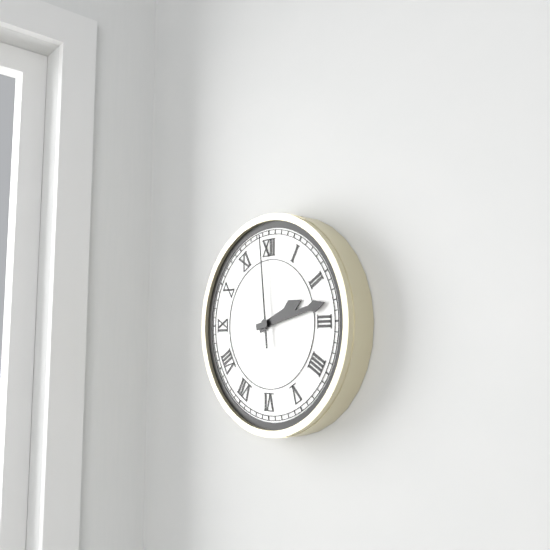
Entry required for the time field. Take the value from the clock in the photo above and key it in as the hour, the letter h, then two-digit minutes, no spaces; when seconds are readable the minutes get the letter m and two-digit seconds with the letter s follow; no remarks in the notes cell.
2h13m59s
